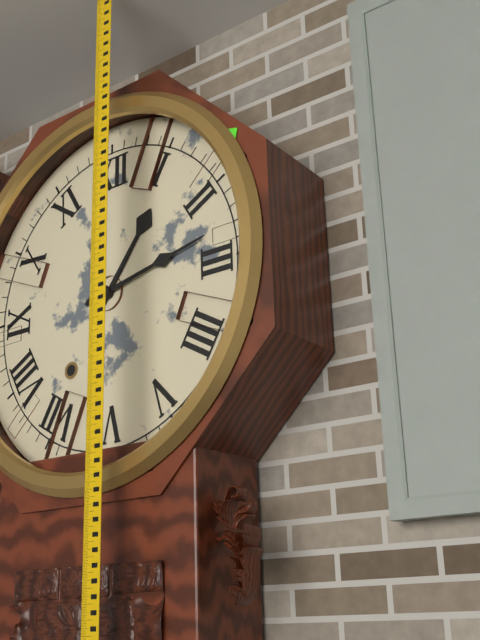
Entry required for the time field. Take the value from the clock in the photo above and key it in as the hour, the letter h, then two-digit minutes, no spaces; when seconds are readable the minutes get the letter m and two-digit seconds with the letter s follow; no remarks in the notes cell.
1h13
